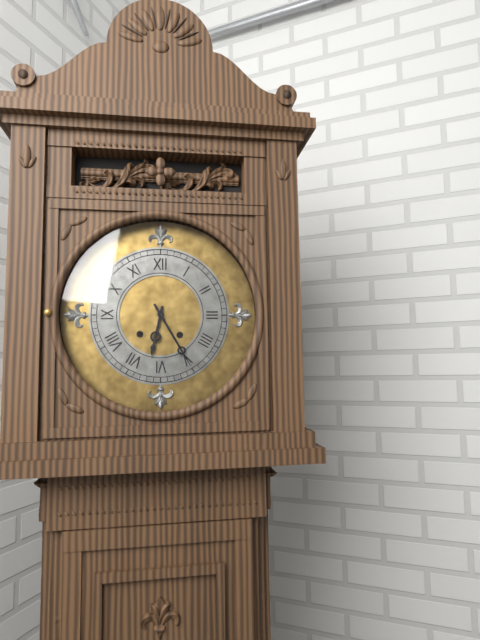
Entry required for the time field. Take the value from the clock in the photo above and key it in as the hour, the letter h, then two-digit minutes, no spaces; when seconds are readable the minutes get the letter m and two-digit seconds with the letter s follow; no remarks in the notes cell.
6h25
